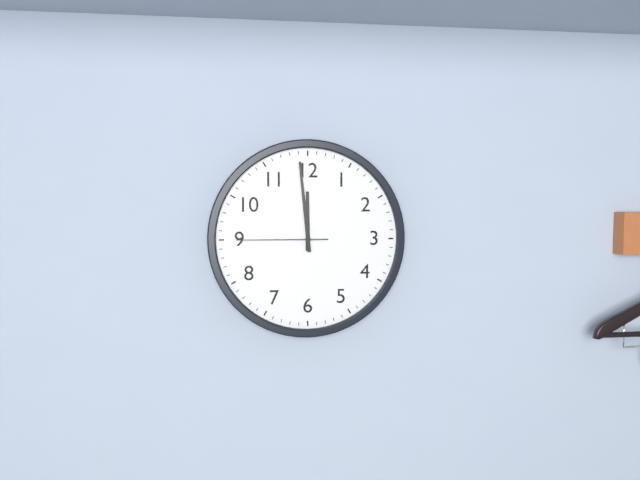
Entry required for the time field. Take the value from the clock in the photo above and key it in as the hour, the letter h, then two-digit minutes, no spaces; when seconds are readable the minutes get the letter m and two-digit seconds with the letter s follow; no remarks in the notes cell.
11h59m45s
